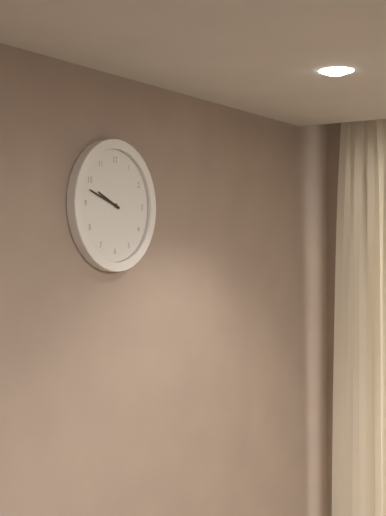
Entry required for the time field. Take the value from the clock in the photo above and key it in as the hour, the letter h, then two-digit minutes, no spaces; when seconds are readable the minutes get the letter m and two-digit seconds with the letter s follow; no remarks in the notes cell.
9h48
